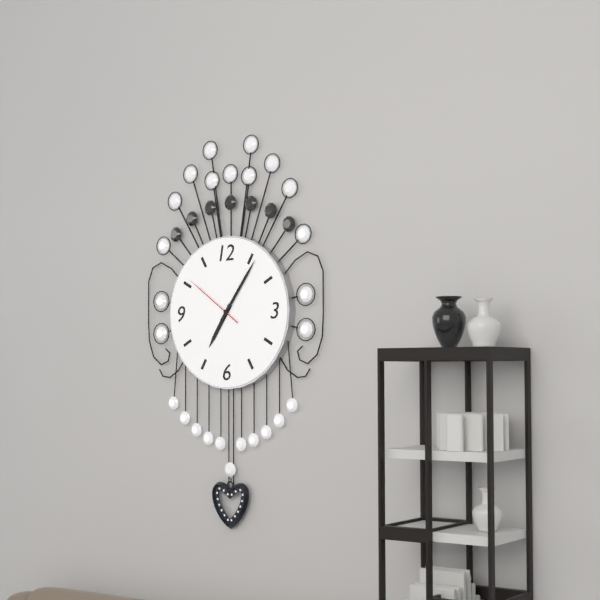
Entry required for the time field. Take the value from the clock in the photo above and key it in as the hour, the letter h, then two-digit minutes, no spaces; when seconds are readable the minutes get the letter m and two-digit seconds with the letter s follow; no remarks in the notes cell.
7h06m51s
